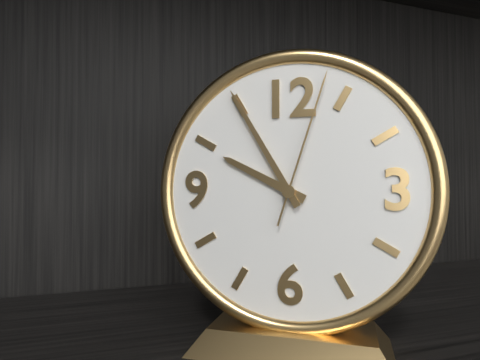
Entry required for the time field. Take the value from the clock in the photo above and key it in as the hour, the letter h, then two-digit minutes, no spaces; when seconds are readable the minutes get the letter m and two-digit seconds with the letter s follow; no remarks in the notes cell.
9h55m03s
